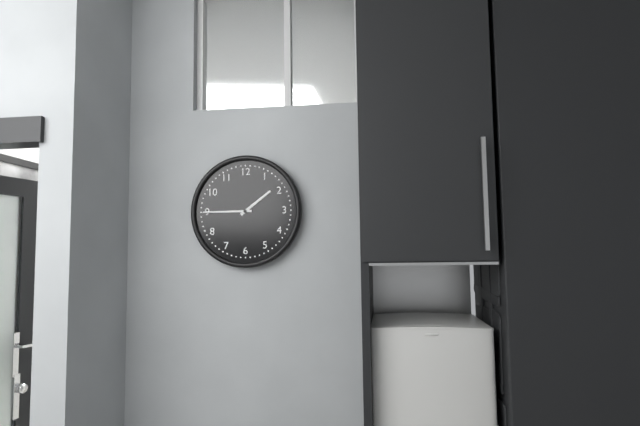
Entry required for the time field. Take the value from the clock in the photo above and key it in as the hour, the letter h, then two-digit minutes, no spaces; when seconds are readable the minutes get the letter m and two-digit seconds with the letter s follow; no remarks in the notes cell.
1h45
